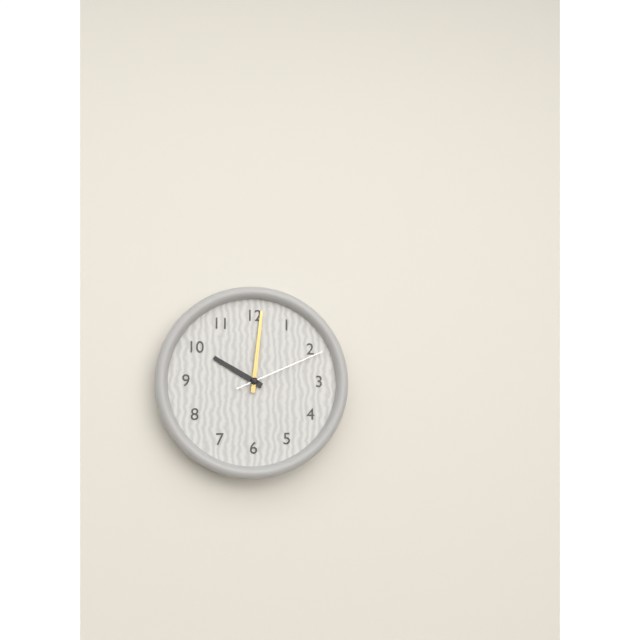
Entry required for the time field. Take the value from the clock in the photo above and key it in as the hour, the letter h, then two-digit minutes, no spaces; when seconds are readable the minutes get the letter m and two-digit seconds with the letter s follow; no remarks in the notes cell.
10h01m11s
